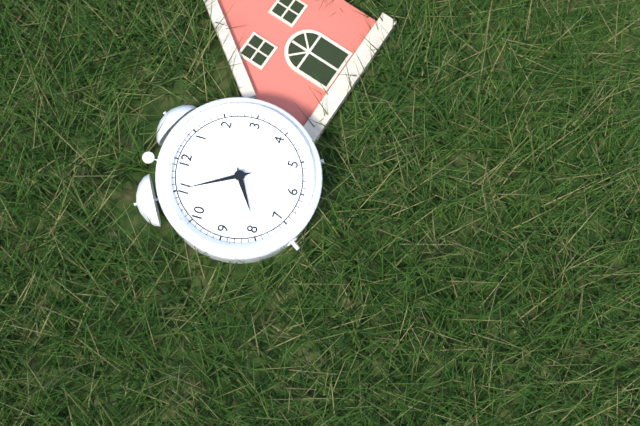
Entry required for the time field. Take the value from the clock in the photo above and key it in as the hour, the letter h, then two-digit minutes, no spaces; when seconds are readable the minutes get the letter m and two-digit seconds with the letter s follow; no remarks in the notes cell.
7h55
